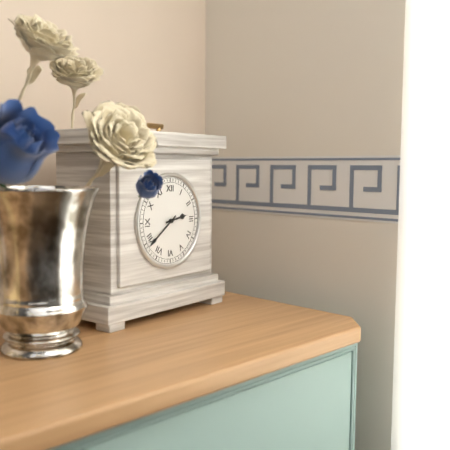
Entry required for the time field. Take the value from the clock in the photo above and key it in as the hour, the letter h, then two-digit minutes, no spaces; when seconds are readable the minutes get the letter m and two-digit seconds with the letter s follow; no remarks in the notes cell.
2h39
